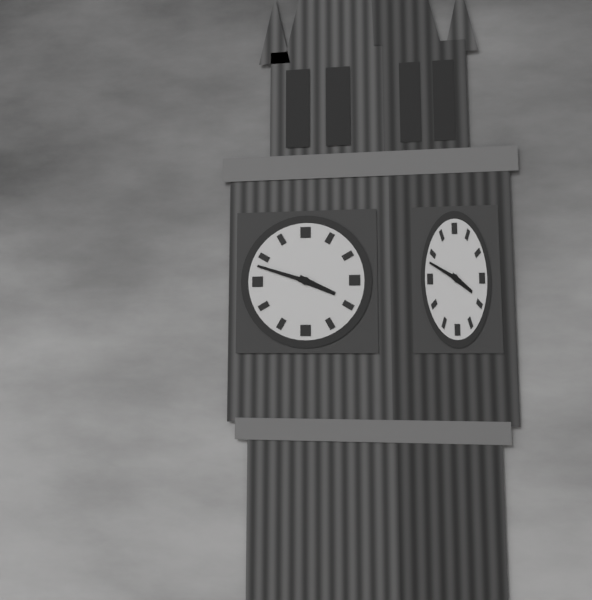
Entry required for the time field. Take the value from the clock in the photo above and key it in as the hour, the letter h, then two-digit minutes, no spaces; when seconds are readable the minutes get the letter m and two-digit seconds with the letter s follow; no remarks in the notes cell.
3h48
